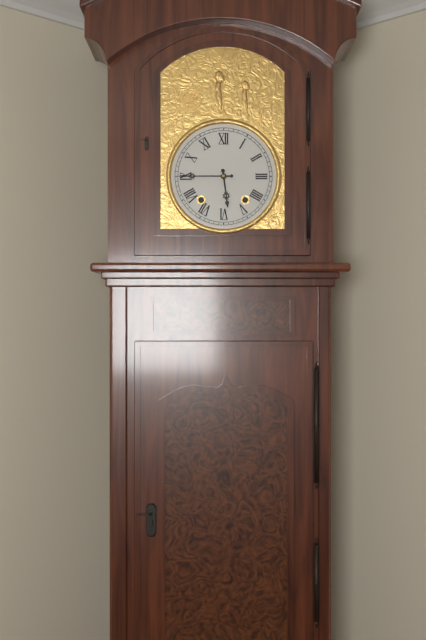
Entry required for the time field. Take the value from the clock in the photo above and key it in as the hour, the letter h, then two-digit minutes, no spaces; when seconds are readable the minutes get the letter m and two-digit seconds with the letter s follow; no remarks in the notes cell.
5h45
